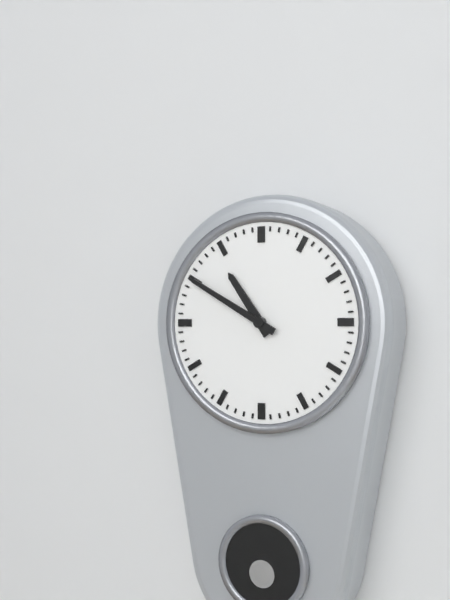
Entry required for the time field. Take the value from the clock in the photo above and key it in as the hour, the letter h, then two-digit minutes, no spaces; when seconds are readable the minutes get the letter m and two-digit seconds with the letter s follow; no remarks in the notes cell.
10h50
